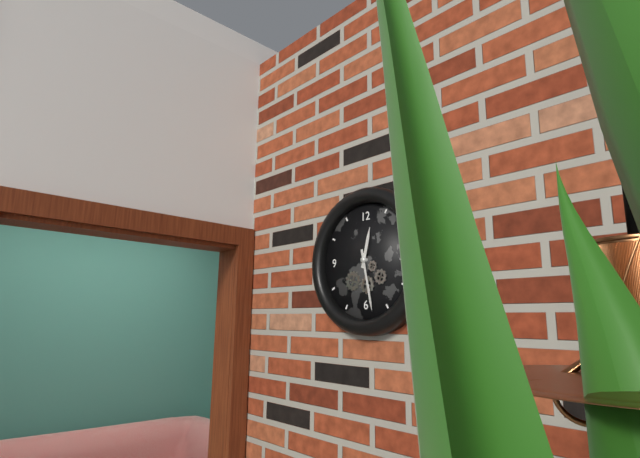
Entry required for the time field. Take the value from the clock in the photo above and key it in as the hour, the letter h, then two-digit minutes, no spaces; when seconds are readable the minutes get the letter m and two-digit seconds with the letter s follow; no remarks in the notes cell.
12h28
